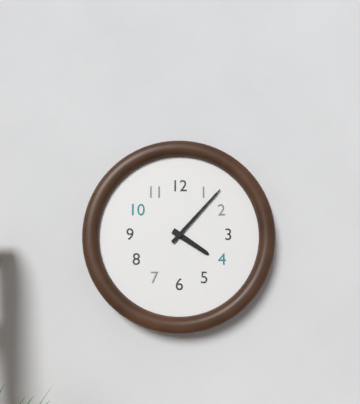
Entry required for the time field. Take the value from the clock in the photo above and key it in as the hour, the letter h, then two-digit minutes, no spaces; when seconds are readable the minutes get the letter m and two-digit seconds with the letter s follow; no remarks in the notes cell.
4h07
